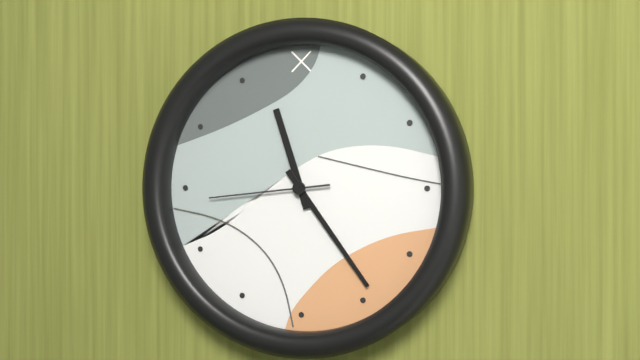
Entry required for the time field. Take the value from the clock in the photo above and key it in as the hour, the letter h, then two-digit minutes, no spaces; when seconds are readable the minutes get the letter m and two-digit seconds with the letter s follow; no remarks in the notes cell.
11h24m44s
